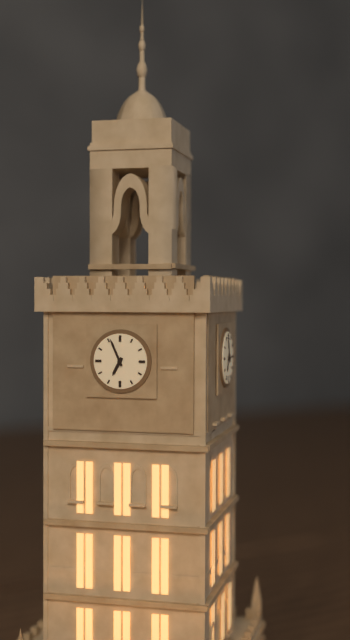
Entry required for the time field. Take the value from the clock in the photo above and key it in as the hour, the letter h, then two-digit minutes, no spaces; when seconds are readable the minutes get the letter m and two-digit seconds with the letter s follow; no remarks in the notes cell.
6h56
